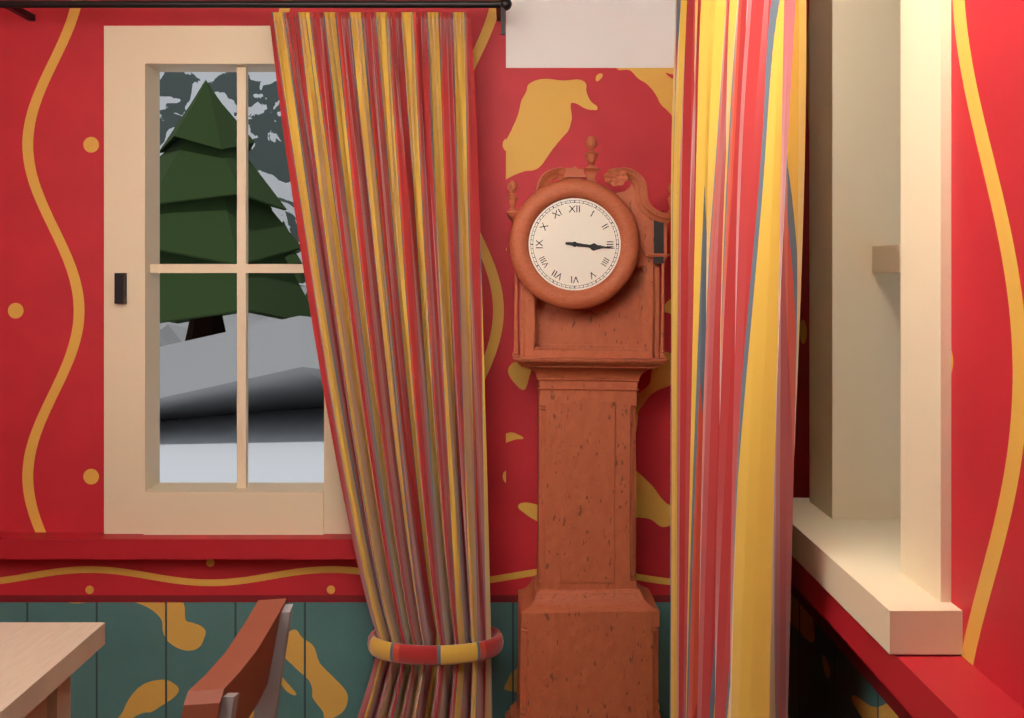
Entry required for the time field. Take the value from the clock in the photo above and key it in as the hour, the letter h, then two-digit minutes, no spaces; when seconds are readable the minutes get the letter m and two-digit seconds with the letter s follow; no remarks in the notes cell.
3h16
